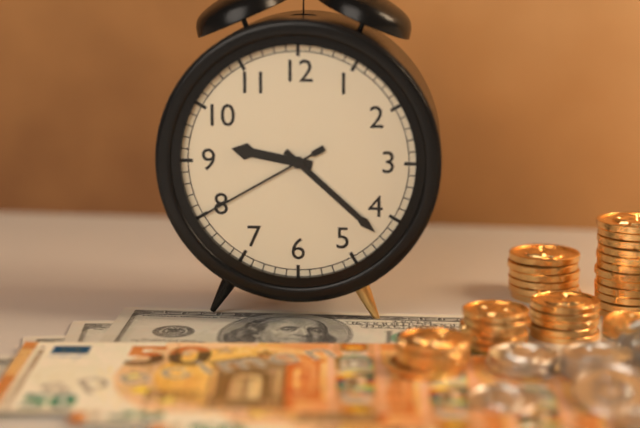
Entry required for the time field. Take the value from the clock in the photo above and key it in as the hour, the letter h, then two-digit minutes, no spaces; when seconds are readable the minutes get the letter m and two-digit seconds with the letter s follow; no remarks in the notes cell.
9h22m40s
